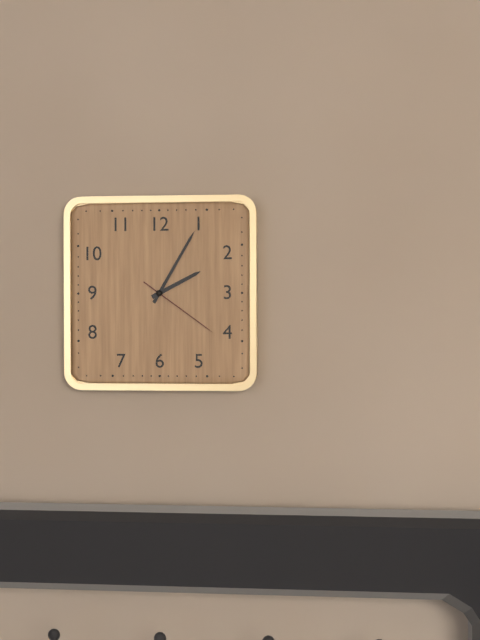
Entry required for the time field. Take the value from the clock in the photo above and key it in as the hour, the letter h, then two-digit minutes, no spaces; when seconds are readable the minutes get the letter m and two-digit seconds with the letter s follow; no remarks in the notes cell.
2h05m21s
